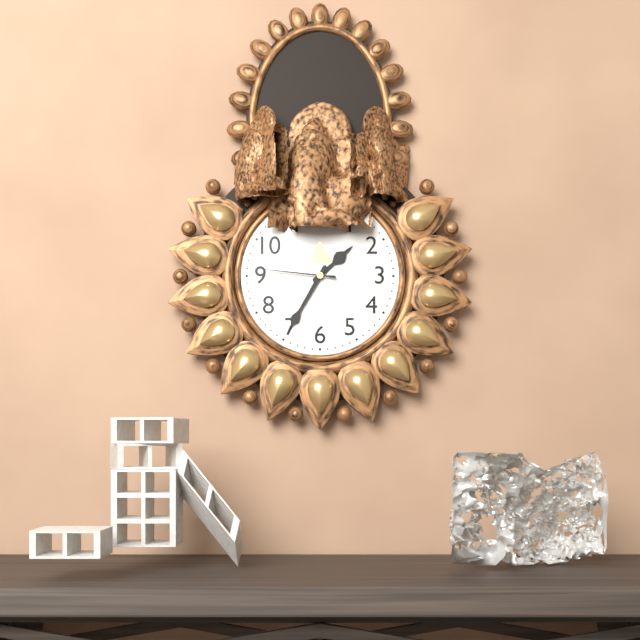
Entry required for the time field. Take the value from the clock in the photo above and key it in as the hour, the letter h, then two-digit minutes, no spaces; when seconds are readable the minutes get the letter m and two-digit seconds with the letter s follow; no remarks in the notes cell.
1h35m46s
